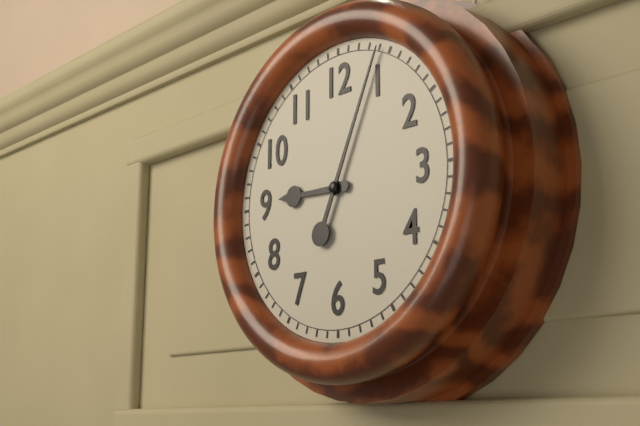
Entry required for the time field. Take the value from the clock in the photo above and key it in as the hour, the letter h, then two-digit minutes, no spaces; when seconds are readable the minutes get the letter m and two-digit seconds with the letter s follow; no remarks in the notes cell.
9h04
